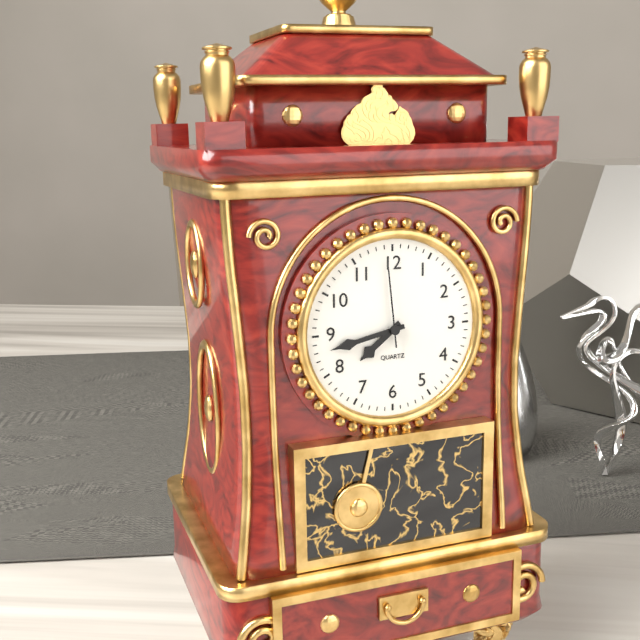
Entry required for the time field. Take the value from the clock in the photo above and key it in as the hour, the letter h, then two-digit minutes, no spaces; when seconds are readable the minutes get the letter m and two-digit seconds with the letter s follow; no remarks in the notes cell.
7h43m59s
